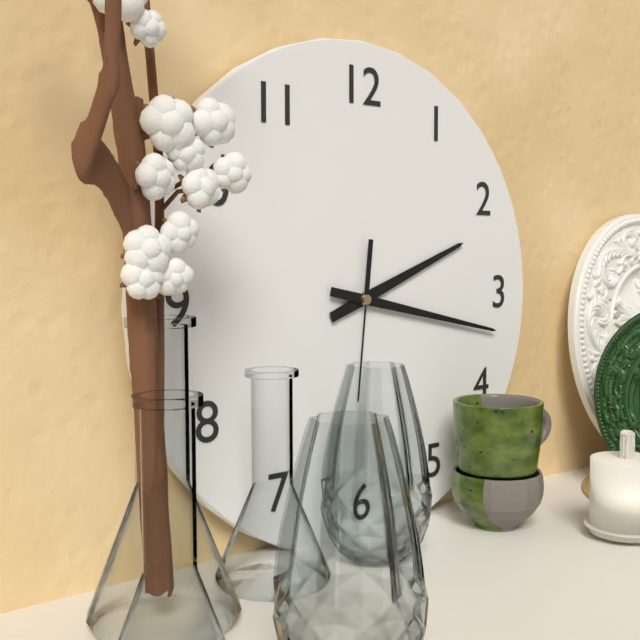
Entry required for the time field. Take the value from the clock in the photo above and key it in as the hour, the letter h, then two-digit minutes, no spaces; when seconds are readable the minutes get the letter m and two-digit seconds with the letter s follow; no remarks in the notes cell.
2h17m31s
